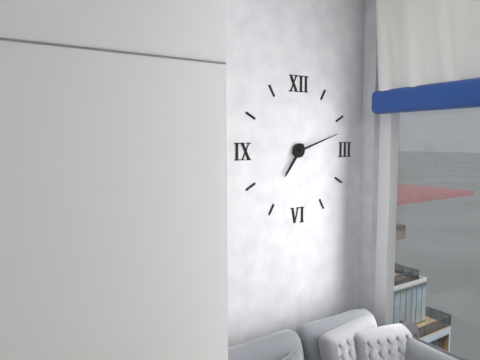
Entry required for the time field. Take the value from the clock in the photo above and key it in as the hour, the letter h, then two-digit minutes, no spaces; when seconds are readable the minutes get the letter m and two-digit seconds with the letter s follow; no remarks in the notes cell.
7h12
